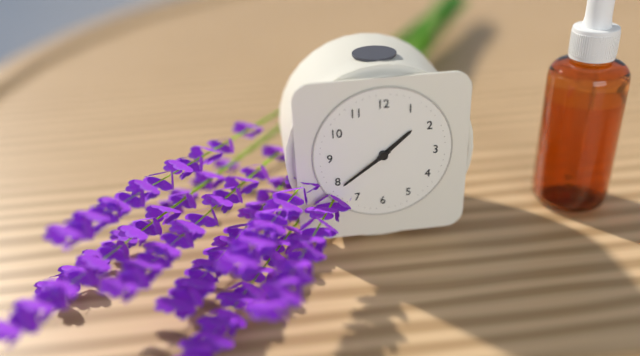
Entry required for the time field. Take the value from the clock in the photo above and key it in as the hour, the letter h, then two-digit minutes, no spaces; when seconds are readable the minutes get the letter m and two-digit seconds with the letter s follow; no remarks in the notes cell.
1h39
